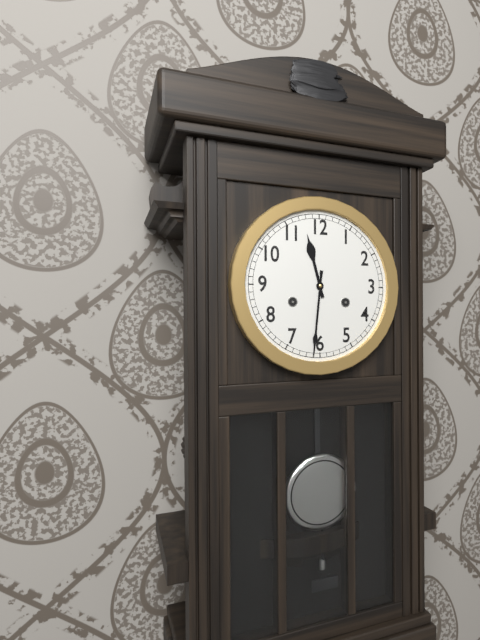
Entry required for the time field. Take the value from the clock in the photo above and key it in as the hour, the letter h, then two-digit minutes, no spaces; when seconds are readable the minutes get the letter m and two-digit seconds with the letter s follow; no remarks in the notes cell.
11h31
